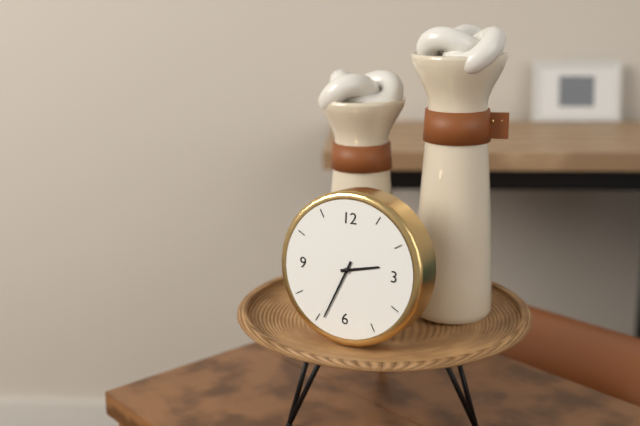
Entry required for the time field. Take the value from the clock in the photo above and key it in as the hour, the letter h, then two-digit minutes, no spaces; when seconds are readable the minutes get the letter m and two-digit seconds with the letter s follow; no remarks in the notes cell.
2h34
